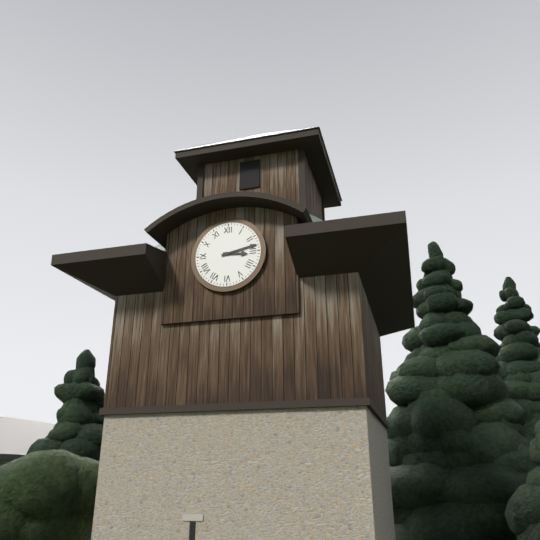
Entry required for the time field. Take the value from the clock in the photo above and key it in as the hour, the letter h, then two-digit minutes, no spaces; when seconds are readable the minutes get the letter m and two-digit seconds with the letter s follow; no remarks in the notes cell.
3h13
